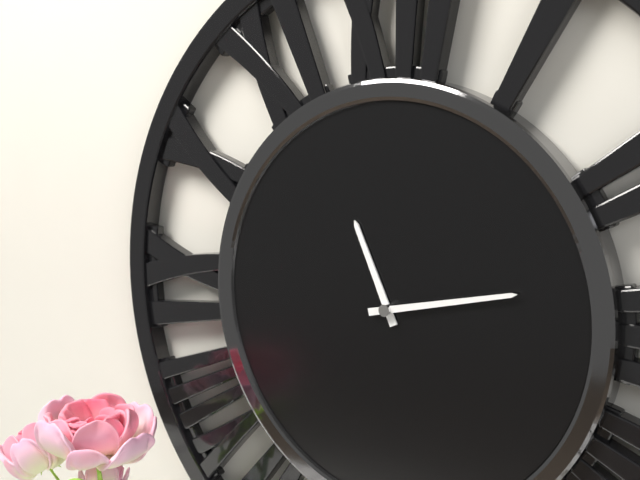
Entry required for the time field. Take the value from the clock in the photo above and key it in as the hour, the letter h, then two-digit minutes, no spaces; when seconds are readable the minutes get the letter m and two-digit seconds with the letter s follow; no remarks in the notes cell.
11h13
